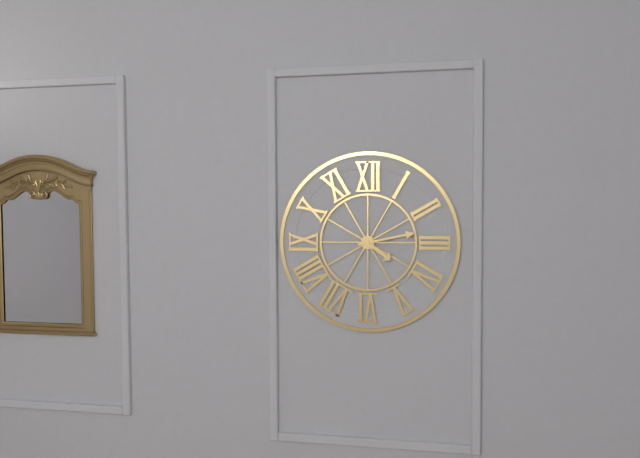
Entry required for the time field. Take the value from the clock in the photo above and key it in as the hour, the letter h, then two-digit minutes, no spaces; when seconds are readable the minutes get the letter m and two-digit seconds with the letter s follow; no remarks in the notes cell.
4h13
